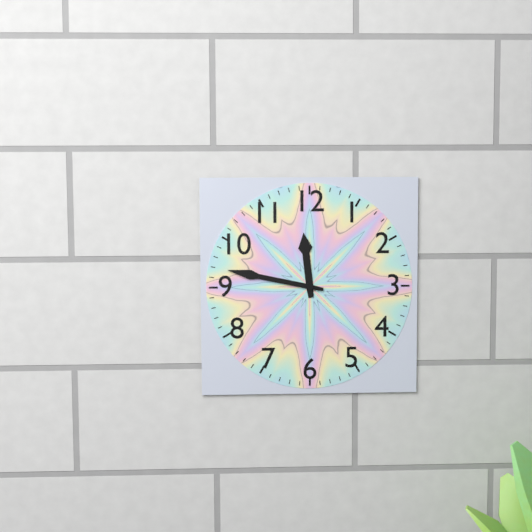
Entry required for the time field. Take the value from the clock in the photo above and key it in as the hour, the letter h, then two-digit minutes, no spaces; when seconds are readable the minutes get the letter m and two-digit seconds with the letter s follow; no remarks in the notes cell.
11h47
